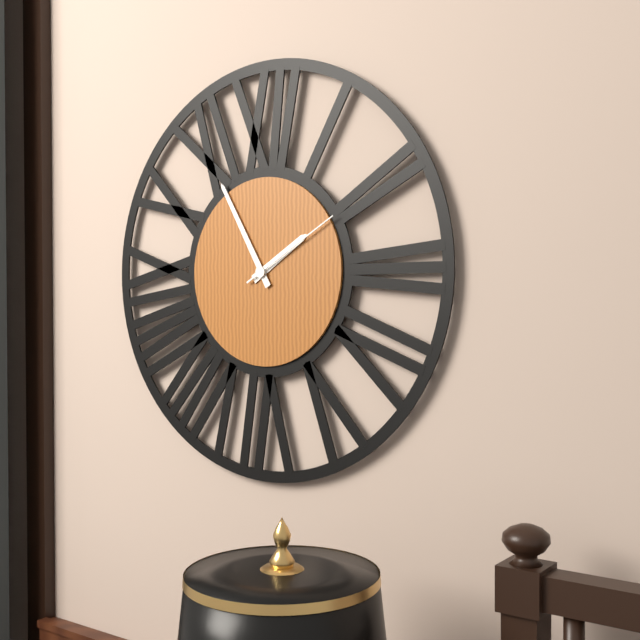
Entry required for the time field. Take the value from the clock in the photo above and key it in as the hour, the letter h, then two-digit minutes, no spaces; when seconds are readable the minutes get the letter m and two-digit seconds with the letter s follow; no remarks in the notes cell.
1h55m10s
